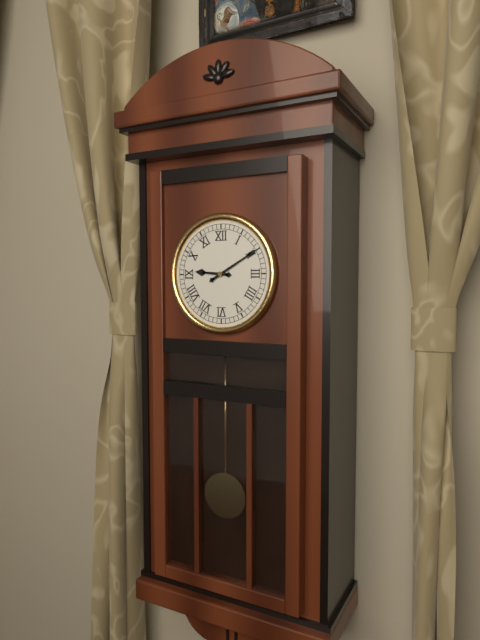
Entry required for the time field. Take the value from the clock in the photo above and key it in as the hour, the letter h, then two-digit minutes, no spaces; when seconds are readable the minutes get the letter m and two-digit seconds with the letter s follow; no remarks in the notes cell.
9h10
